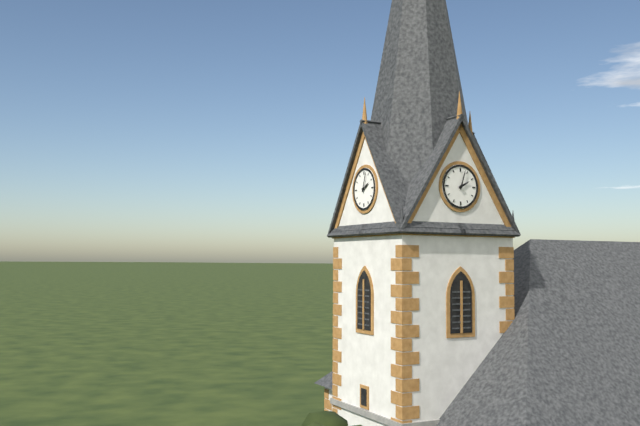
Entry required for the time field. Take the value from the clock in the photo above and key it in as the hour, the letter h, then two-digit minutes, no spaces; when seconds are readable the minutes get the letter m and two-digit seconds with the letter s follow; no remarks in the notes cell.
2h03
